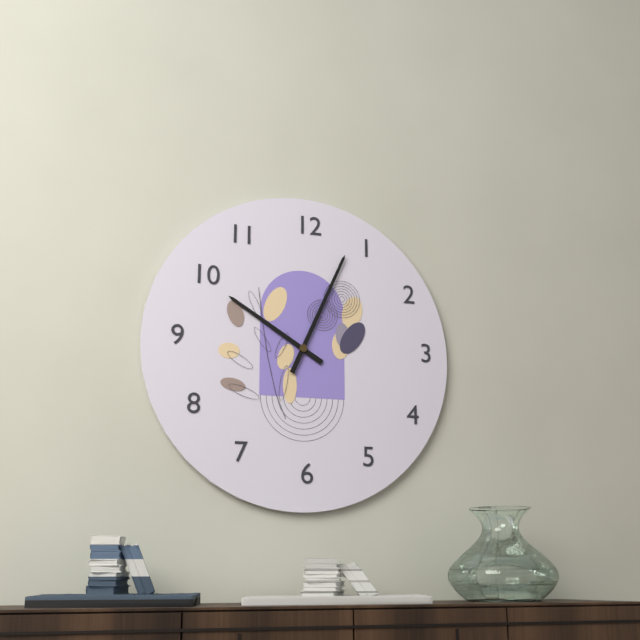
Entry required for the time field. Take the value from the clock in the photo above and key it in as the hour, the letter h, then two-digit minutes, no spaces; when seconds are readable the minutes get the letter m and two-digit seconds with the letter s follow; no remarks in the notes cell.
10h04
